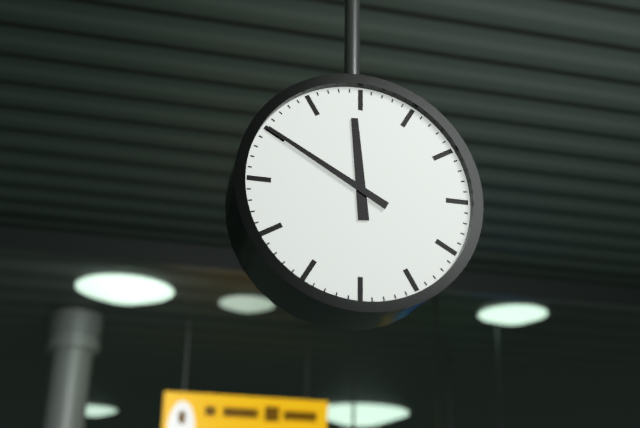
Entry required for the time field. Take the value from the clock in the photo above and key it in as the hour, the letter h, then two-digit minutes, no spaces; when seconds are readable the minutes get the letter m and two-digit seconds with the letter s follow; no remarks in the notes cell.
11h50
